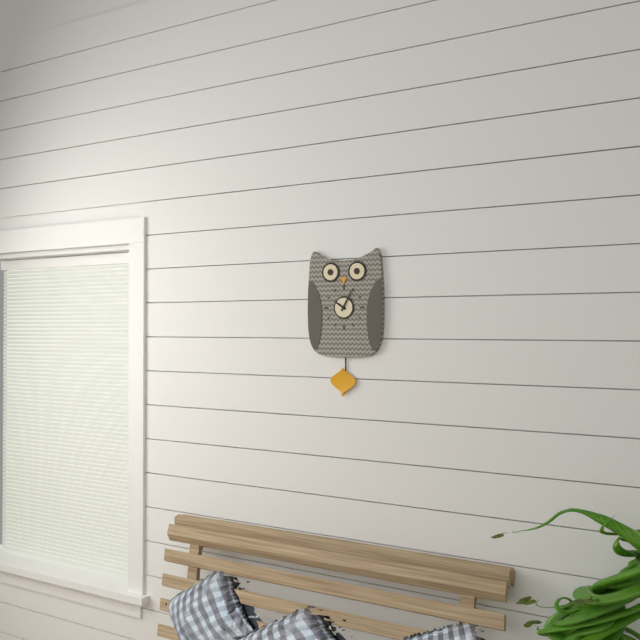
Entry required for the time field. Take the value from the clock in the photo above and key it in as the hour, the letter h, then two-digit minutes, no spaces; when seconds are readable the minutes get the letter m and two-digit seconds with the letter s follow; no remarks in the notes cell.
10h05
